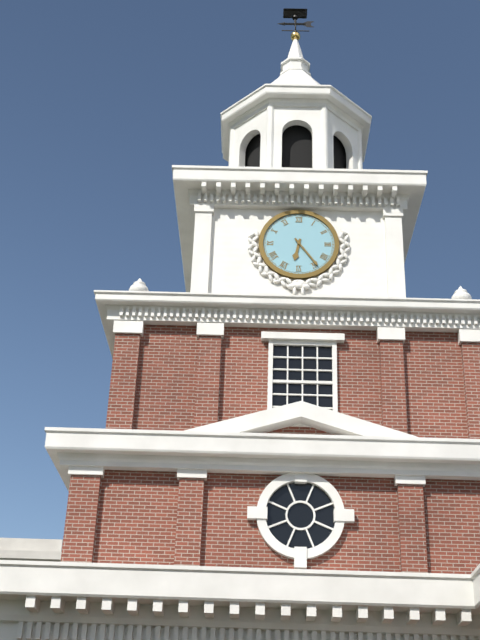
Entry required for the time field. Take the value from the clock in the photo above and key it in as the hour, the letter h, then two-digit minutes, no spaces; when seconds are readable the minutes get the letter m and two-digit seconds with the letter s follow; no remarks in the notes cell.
6h24
